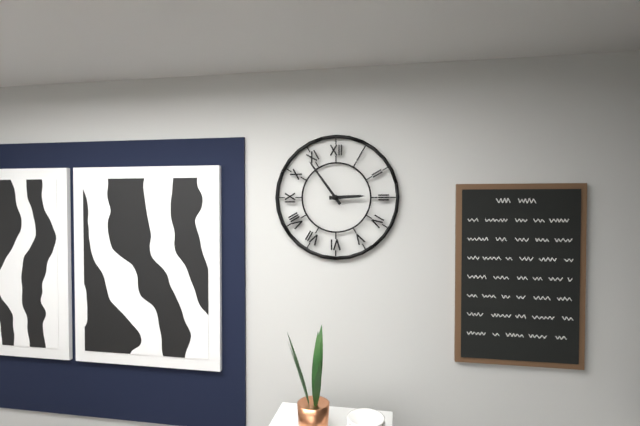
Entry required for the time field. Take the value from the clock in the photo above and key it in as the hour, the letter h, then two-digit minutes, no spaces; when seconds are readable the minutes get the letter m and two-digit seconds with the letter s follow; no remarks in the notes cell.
2h54
